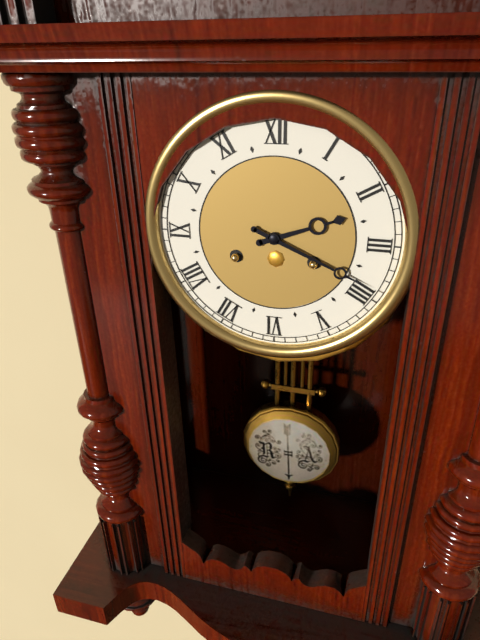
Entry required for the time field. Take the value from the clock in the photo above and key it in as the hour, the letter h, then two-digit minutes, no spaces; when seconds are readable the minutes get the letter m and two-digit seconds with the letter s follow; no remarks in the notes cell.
2h19
